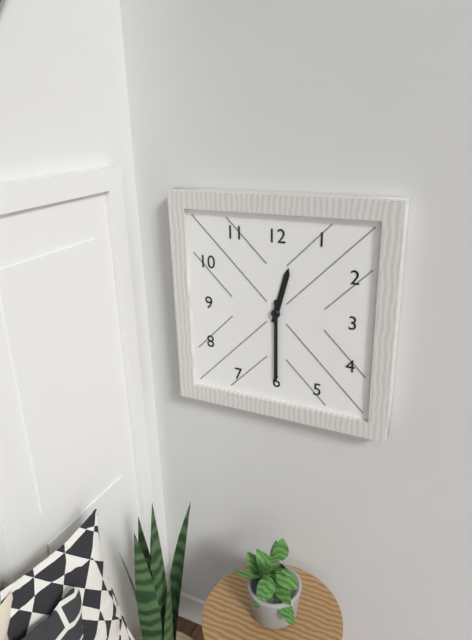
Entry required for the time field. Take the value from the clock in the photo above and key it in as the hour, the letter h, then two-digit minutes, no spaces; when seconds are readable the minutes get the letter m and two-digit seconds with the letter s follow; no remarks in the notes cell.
12h30
